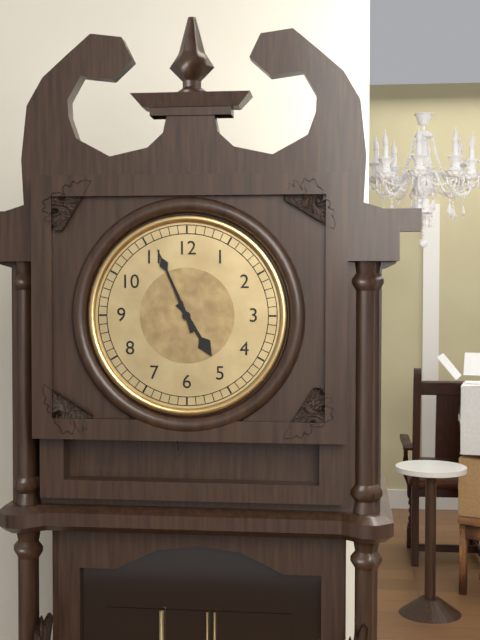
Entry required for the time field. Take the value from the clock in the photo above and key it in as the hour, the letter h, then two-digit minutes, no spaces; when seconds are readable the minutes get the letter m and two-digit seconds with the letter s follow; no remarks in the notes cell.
4h56
